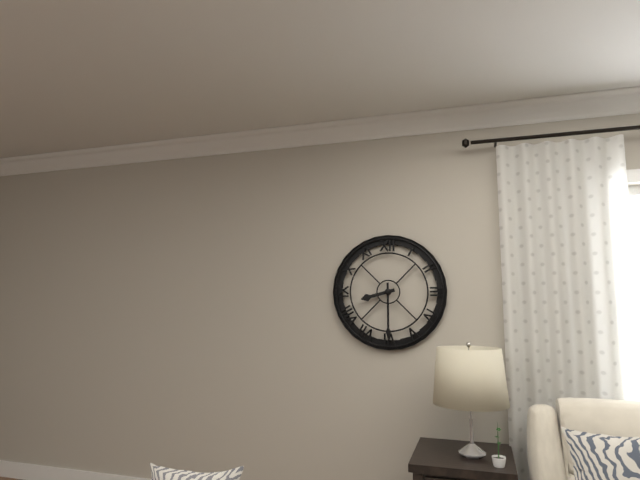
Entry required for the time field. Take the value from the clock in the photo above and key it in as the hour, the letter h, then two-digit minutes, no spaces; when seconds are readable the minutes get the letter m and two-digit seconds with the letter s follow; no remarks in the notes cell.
8h30
